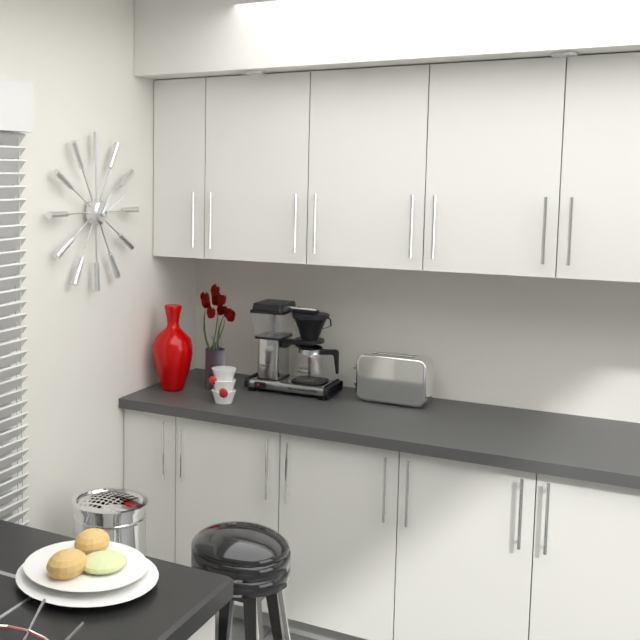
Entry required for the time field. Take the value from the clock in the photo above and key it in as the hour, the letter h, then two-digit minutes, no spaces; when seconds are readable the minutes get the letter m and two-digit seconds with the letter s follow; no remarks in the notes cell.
1h11
